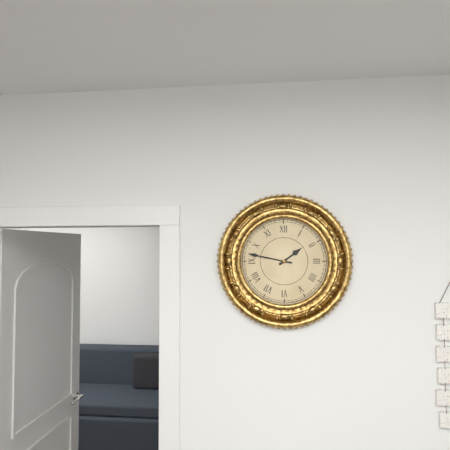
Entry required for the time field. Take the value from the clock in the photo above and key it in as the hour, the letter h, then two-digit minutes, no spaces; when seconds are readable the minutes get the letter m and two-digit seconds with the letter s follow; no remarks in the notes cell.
1h47
